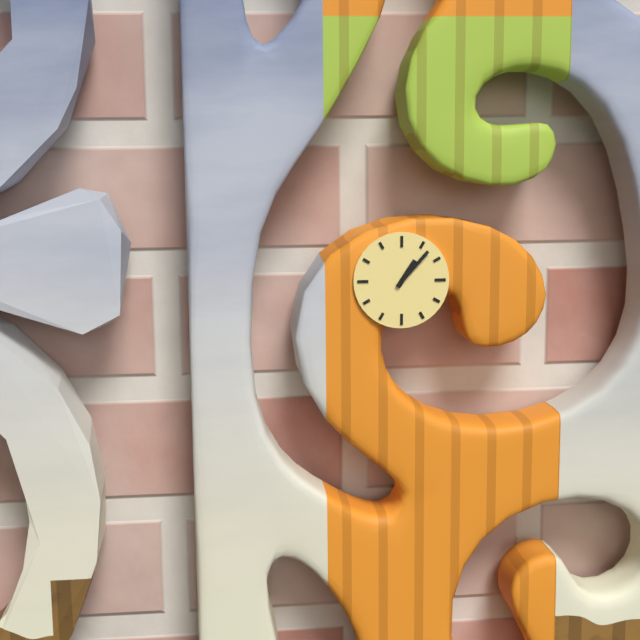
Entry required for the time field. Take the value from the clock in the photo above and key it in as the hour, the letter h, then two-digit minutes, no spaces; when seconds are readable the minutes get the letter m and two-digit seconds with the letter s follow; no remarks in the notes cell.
1h07
